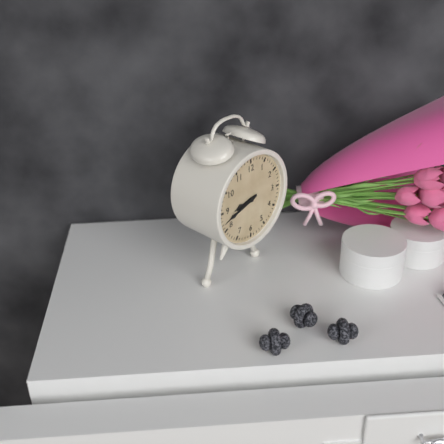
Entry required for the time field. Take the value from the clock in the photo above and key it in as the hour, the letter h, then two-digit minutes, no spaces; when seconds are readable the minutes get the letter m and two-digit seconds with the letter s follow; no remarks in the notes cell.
8h42
